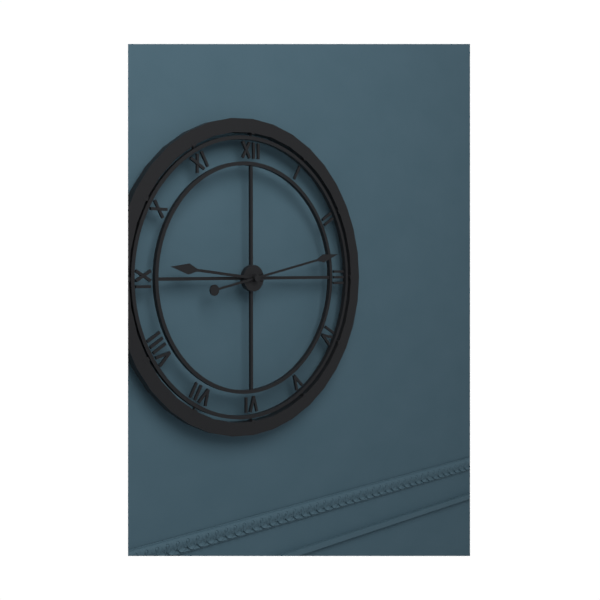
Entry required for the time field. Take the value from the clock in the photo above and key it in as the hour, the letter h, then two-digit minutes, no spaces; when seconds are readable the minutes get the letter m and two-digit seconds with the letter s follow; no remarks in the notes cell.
9h13
